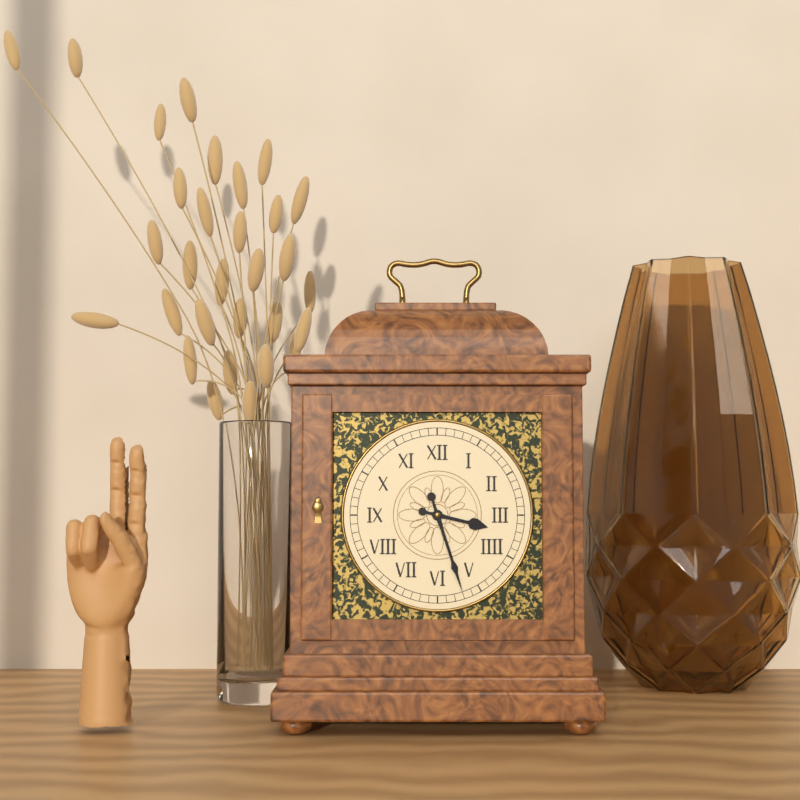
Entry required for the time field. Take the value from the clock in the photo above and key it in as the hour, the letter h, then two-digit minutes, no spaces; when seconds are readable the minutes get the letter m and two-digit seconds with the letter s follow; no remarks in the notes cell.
3h27
